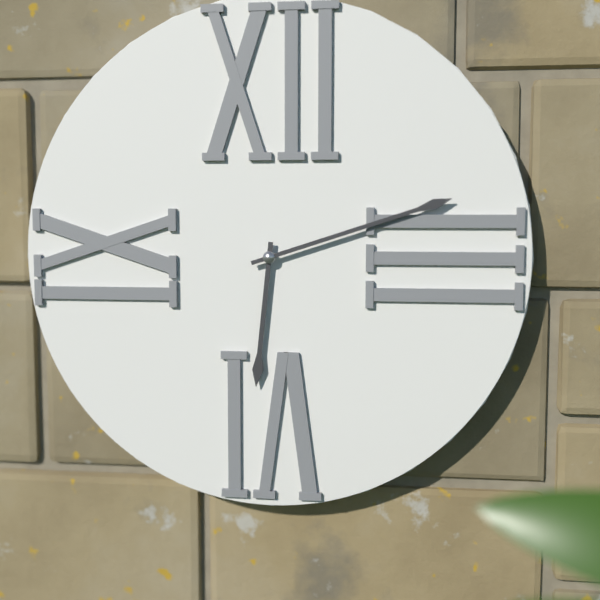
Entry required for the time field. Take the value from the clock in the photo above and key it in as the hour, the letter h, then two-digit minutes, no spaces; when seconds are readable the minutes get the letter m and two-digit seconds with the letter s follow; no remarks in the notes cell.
6h12
